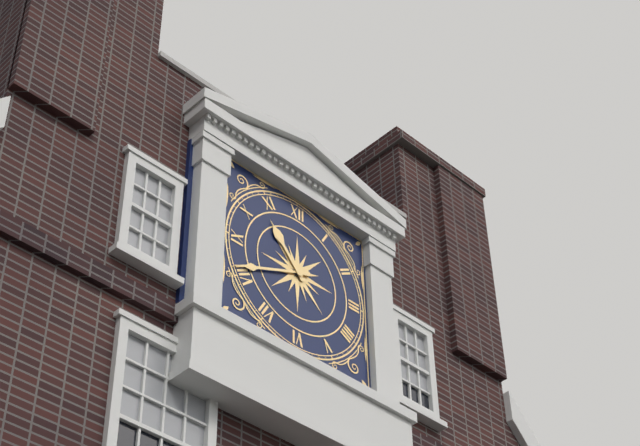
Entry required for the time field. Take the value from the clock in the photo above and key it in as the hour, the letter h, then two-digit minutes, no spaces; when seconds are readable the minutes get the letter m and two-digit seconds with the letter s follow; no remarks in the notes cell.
10h41
